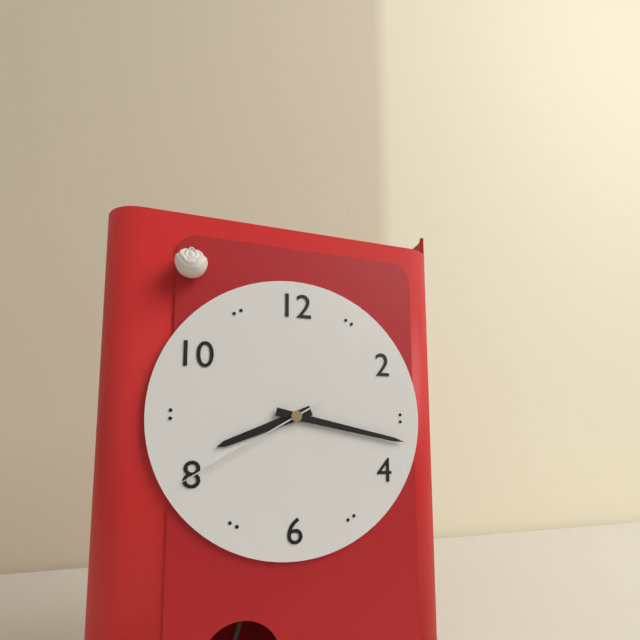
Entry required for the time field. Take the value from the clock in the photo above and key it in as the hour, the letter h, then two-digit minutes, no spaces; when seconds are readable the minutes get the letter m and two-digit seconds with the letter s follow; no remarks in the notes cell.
8h17m40s
